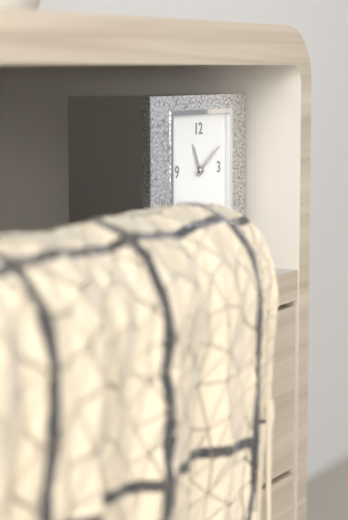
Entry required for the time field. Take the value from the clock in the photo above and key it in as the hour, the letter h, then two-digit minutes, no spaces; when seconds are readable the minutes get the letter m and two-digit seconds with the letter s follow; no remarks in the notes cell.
11h10
